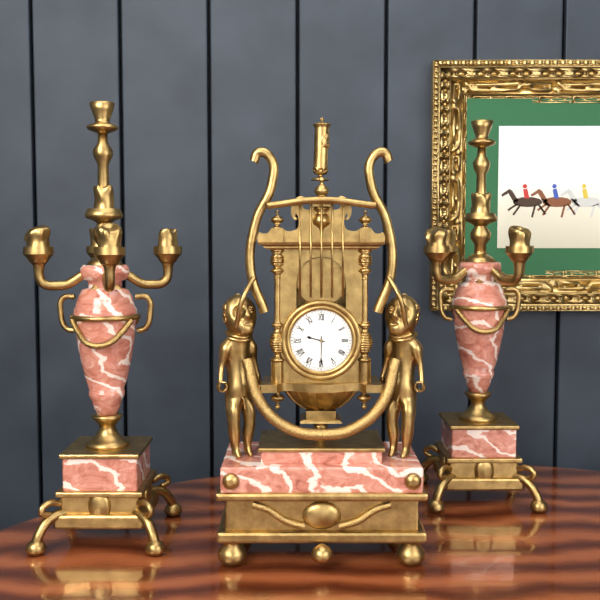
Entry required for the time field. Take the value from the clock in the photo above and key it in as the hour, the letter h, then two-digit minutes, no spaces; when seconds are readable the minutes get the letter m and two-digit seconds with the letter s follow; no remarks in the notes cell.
9h30
